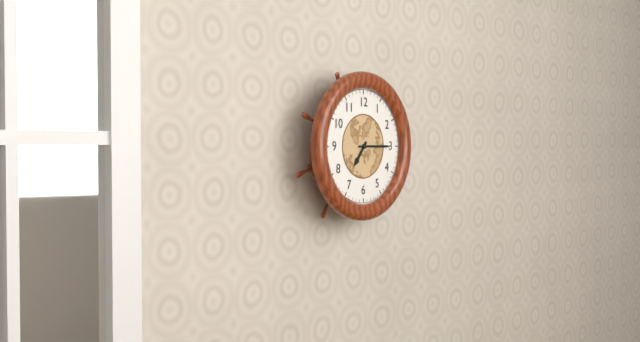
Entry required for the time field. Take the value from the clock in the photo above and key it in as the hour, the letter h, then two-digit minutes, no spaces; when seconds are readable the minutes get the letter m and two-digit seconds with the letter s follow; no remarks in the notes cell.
7h15
